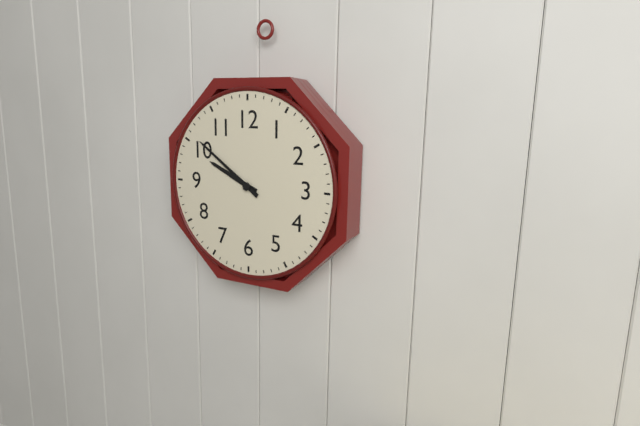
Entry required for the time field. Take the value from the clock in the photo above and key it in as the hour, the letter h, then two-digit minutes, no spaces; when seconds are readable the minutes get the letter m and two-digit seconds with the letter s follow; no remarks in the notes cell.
9h51
